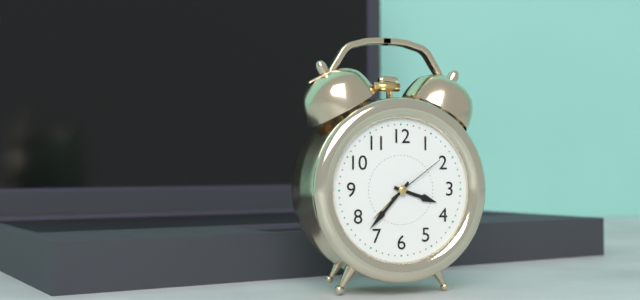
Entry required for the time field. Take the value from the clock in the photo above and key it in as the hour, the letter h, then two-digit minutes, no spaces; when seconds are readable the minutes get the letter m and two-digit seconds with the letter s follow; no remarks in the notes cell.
3h37m09s
